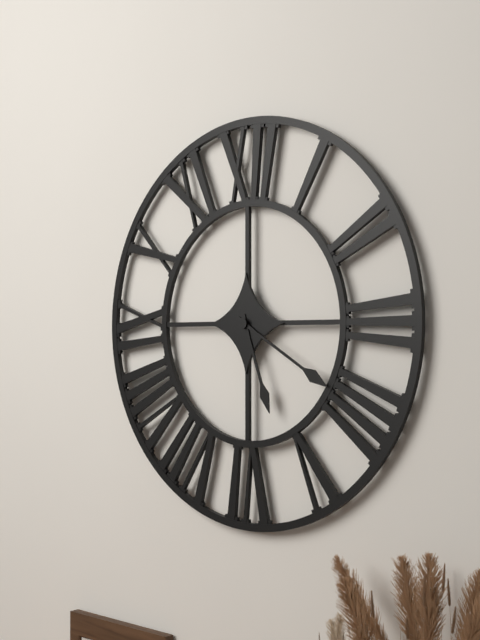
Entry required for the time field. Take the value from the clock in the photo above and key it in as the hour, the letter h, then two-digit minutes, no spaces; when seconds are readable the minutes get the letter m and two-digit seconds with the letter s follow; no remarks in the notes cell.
5h20
